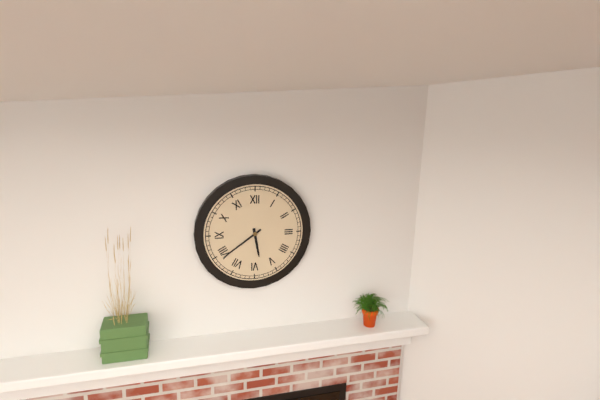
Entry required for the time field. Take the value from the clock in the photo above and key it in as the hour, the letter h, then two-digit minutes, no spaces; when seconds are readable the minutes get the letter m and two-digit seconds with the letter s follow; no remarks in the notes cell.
5h39
